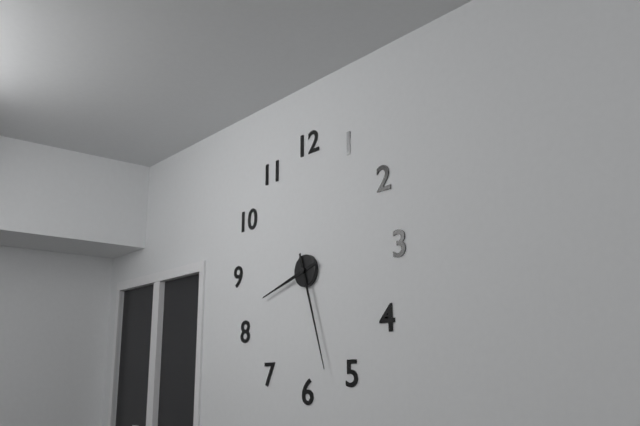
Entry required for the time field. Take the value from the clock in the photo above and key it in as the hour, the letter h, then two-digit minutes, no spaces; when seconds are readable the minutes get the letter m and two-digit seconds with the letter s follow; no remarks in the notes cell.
8h27
